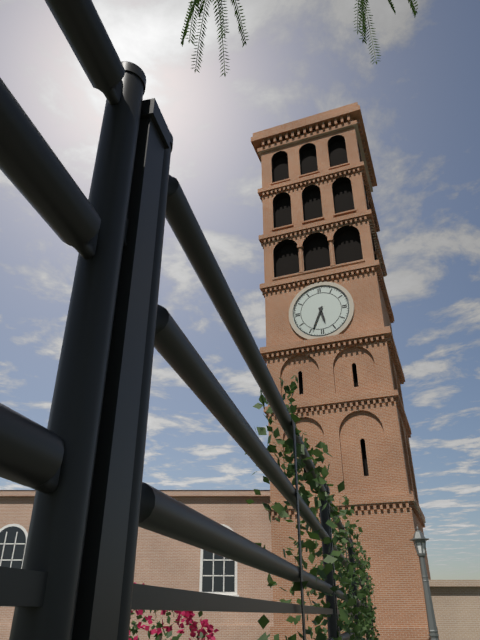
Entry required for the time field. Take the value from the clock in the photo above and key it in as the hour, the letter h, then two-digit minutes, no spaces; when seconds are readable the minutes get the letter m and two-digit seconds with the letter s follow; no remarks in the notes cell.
5h34
